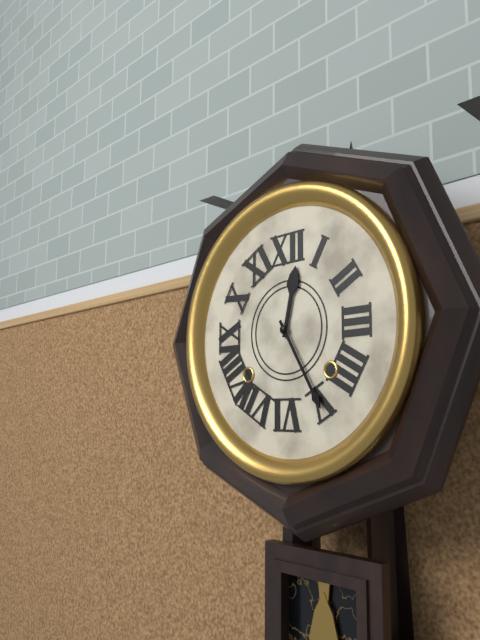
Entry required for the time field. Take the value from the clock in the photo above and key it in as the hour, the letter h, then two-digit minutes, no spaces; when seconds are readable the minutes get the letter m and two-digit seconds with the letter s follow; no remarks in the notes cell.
12h25
